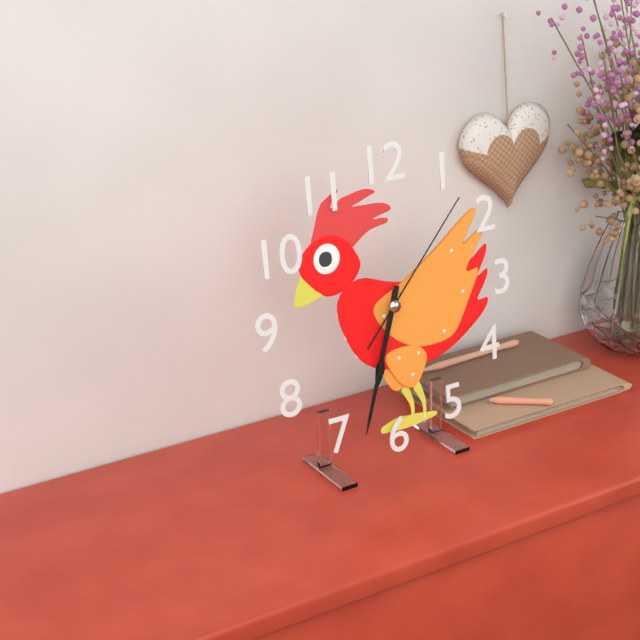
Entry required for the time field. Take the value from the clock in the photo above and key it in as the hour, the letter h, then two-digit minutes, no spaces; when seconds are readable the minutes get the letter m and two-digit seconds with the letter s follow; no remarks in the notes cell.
6h33m07s
